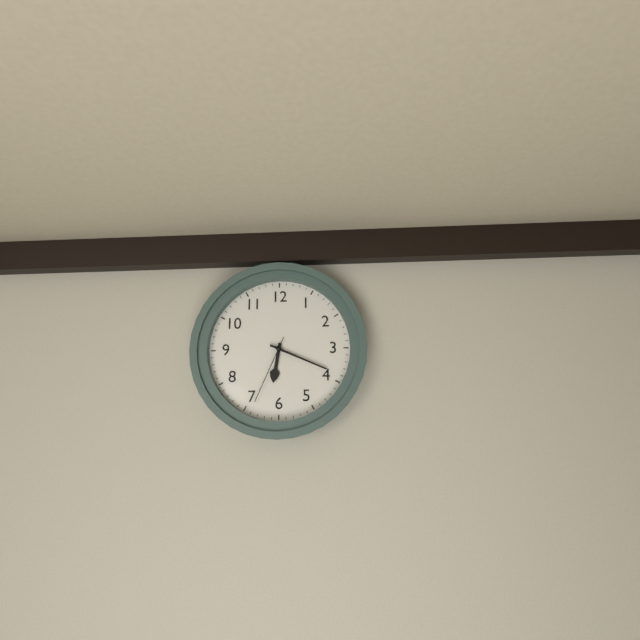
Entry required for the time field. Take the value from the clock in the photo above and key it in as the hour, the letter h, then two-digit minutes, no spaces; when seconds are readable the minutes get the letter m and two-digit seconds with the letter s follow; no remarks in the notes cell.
6h19m34s
